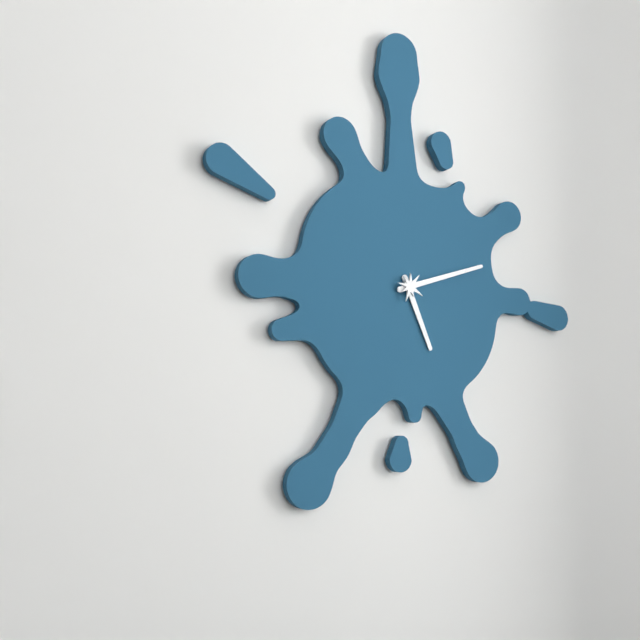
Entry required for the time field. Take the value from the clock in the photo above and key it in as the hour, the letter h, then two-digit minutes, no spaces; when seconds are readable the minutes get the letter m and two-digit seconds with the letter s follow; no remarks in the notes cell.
5h12
